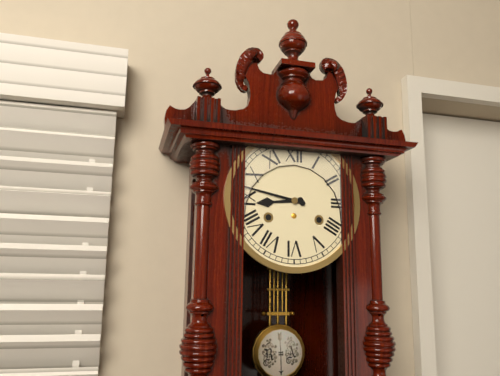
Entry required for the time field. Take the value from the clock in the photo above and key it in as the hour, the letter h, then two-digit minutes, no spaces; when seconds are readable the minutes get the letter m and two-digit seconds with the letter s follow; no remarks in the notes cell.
8h47
